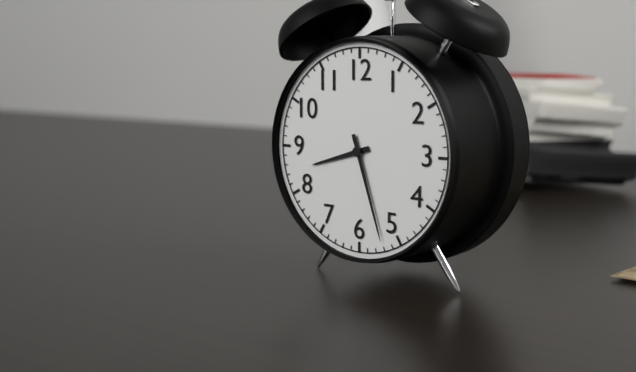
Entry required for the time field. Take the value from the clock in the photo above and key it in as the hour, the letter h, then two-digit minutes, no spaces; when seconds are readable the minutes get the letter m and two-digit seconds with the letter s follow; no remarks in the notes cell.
8h27
